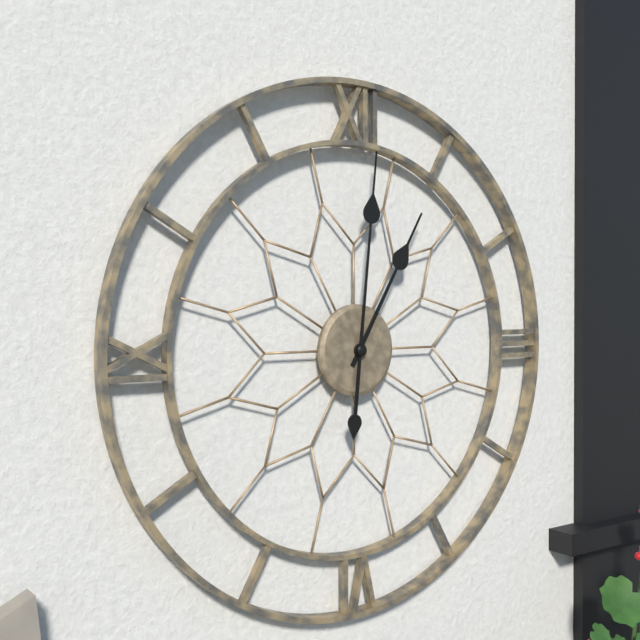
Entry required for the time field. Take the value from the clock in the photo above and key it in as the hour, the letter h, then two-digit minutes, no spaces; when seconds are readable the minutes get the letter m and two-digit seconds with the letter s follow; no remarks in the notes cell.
1h01
